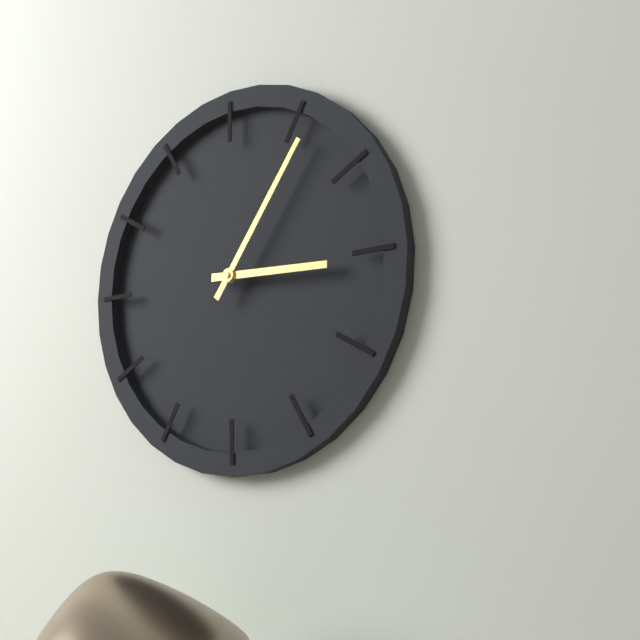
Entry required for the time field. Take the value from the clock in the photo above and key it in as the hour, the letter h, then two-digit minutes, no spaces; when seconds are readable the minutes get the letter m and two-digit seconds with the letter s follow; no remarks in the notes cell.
3h06
